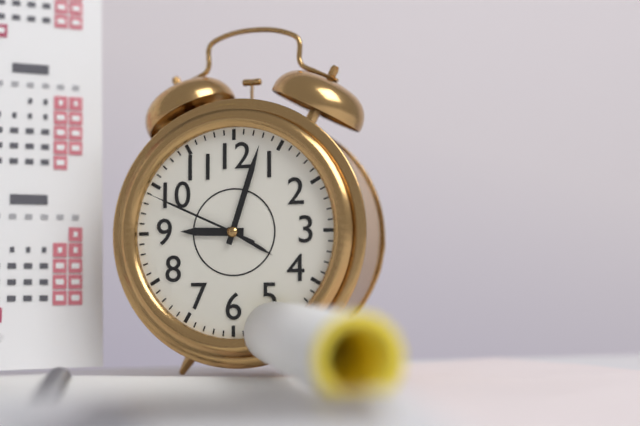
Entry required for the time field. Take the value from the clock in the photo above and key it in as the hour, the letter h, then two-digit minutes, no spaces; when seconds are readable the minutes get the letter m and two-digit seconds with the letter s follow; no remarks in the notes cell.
9h03m49s
